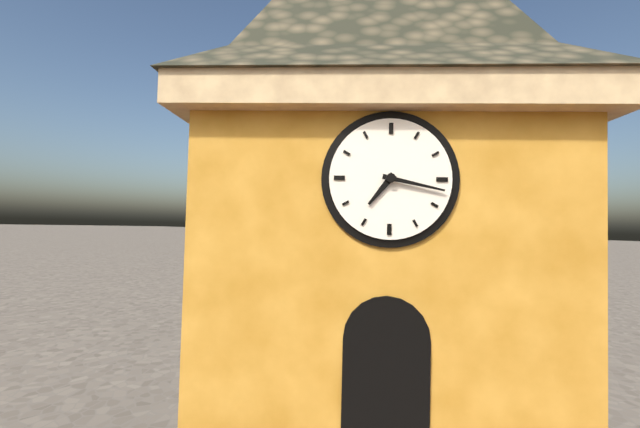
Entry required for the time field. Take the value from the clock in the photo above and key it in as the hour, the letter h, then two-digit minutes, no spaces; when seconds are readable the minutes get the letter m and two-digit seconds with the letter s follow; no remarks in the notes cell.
7h17
